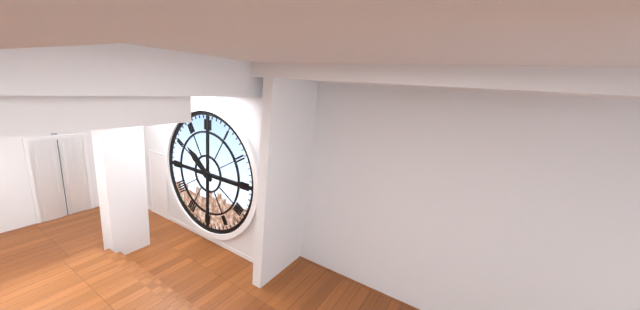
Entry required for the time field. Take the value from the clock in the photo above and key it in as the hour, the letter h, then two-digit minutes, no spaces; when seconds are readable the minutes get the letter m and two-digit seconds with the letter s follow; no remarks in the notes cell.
10h15
